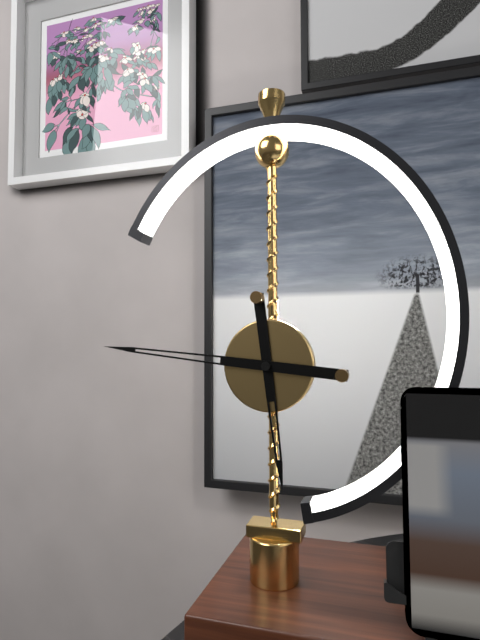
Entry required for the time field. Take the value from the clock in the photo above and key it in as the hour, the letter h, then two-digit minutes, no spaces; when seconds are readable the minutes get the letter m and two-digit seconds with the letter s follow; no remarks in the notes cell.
5h46
